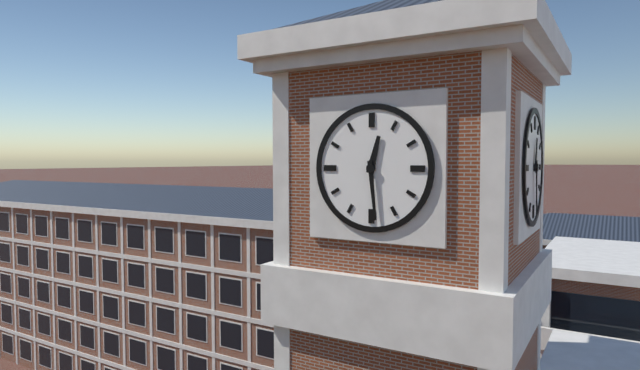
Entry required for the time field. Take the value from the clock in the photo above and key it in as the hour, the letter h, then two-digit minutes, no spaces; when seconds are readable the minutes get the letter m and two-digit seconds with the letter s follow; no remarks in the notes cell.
12h29
